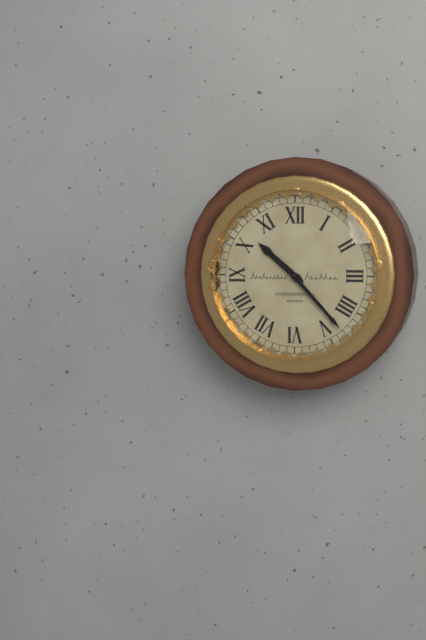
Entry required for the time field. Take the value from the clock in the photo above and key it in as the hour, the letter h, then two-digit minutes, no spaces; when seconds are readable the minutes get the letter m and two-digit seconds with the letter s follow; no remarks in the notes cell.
10h23
